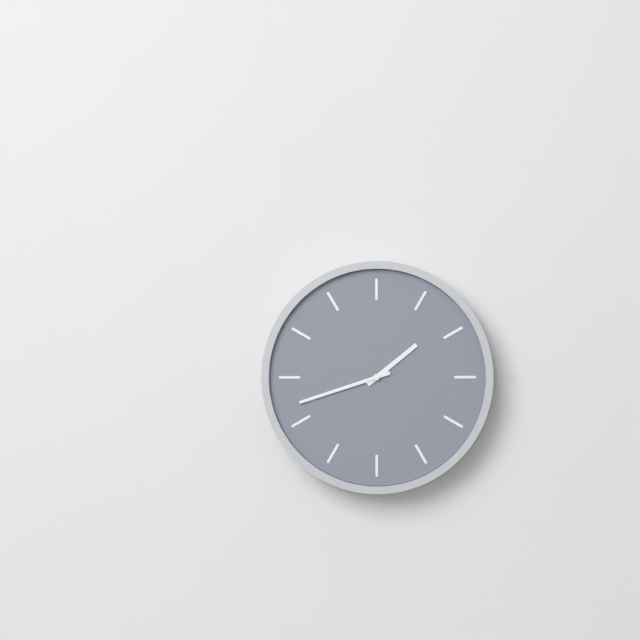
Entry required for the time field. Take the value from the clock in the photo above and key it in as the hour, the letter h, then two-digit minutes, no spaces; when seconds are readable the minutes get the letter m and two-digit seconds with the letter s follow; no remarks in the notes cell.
1h42
